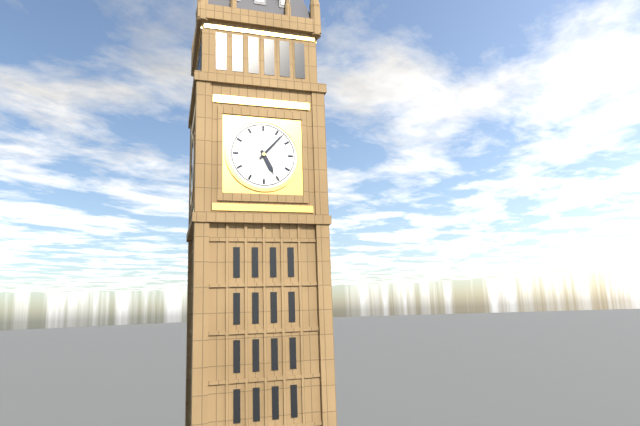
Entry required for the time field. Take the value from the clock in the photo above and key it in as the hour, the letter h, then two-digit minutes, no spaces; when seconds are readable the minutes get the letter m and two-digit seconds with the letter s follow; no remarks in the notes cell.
5h07
